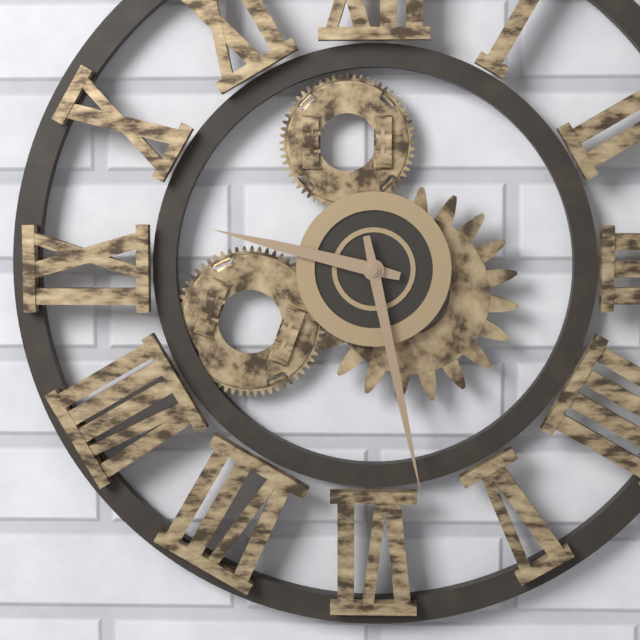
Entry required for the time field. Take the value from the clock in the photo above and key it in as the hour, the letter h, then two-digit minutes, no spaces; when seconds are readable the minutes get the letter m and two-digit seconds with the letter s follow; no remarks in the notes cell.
9h28
